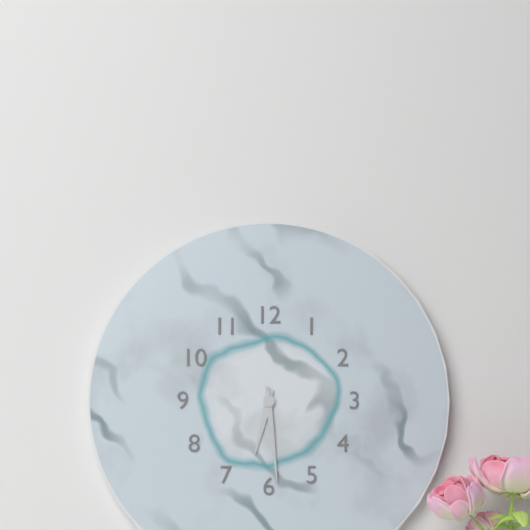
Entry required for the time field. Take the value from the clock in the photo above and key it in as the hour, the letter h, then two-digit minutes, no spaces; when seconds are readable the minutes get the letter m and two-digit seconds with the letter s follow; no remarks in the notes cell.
6h29
